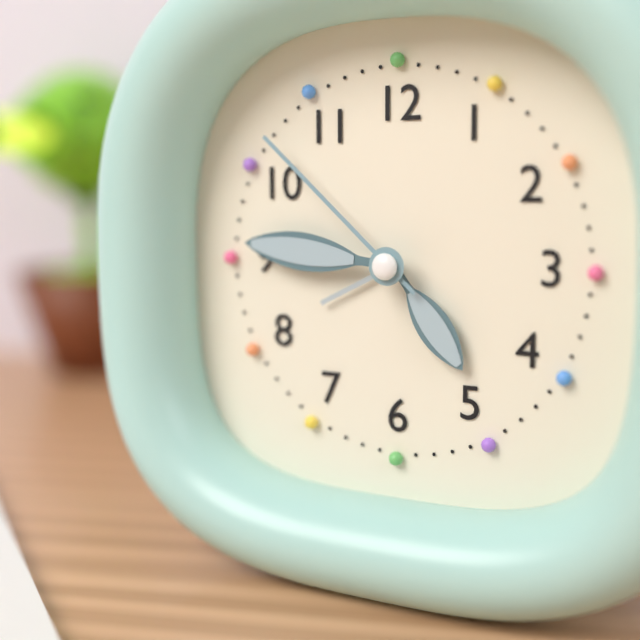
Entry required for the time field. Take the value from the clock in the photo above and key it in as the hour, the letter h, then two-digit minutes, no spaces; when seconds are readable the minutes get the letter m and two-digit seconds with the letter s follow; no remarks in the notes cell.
4h46m52s
